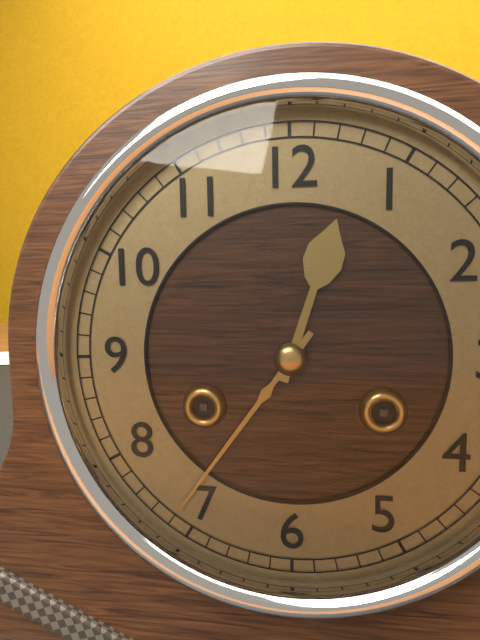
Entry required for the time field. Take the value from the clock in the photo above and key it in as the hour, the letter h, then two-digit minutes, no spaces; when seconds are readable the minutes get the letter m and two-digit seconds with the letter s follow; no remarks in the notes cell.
12h36
